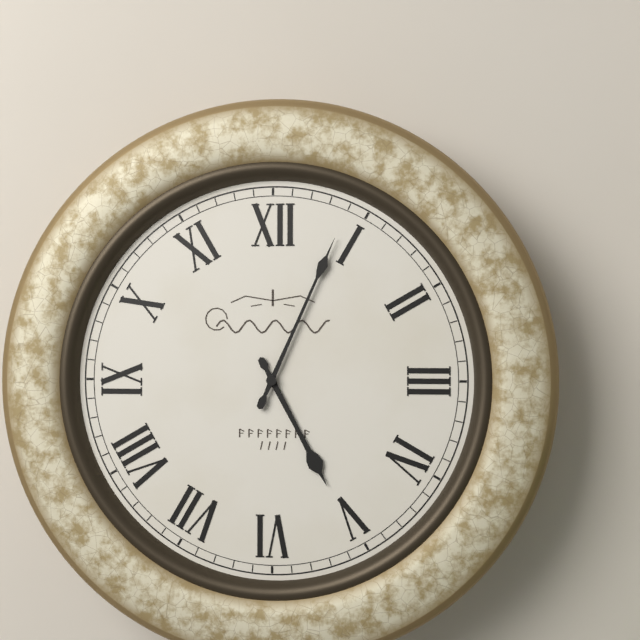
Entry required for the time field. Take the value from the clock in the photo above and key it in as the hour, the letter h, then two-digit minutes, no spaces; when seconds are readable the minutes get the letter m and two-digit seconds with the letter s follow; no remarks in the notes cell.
5h04
